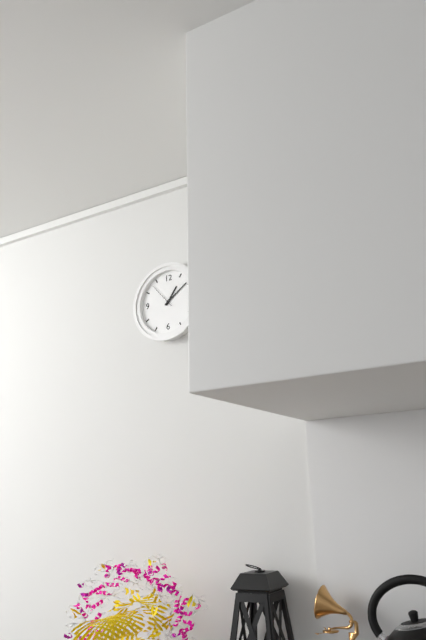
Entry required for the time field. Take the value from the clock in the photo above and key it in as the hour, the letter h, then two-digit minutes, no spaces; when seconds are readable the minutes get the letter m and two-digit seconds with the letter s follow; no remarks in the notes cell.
1h09
